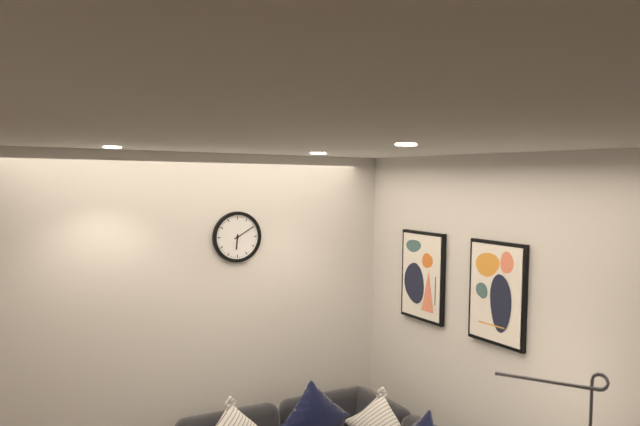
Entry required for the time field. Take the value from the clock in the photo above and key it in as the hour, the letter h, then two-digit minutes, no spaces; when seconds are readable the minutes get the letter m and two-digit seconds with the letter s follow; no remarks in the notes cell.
6h10
